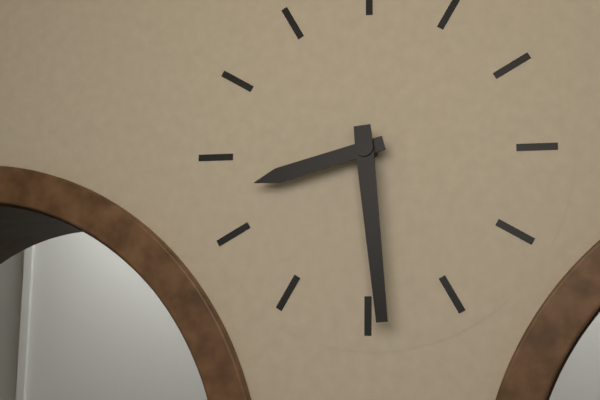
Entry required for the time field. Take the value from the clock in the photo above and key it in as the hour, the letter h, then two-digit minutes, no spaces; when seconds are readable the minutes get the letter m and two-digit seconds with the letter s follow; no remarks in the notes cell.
8h29
